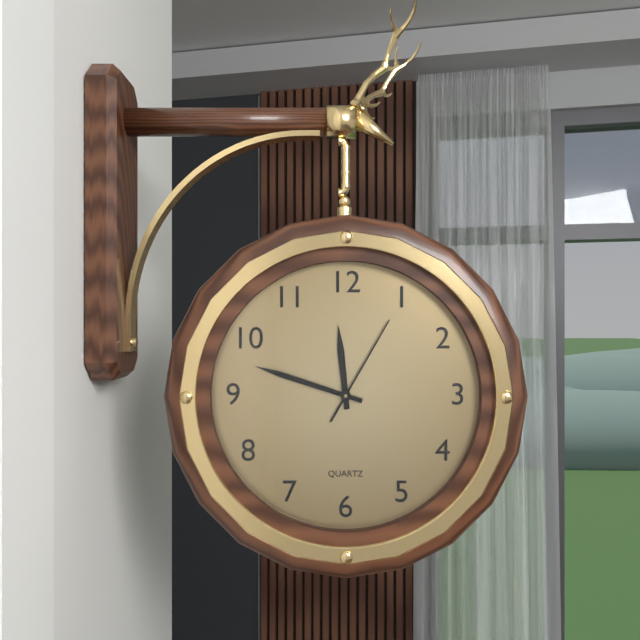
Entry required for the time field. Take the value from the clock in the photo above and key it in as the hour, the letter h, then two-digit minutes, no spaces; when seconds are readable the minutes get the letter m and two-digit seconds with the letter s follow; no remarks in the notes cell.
11h48m05s
